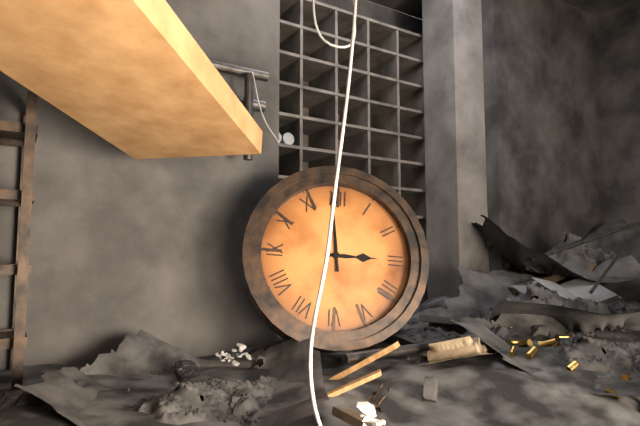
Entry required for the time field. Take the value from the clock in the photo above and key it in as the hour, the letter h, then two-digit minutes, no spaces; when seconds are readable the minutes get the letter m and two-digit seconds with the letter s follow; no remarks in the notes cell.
2h59
